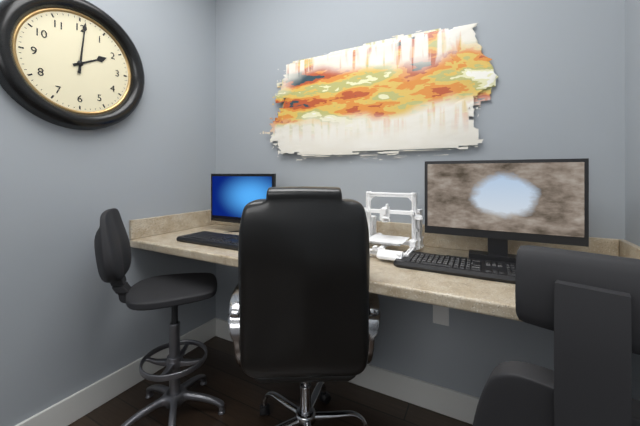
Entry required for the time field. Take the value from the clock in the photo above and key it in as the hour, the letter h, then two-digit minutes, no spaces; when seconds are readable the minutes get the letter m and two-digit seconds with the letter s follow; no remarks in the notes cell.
2h01
